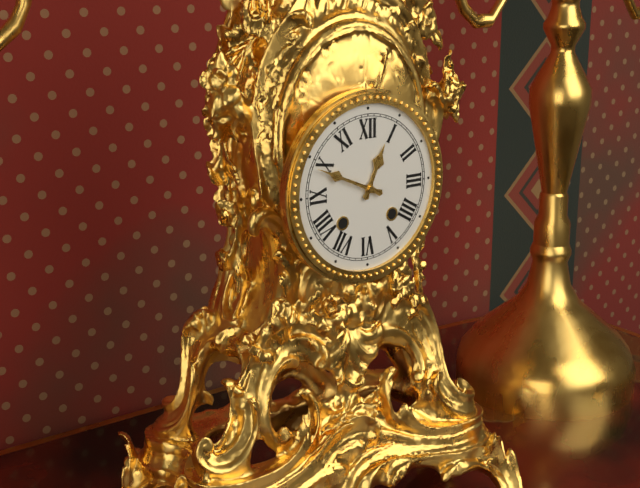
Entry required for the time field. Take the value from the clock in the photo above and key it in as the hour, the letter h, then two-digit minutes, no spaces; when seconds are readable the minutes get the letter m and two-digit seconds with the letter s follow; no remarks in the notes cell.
12h49
